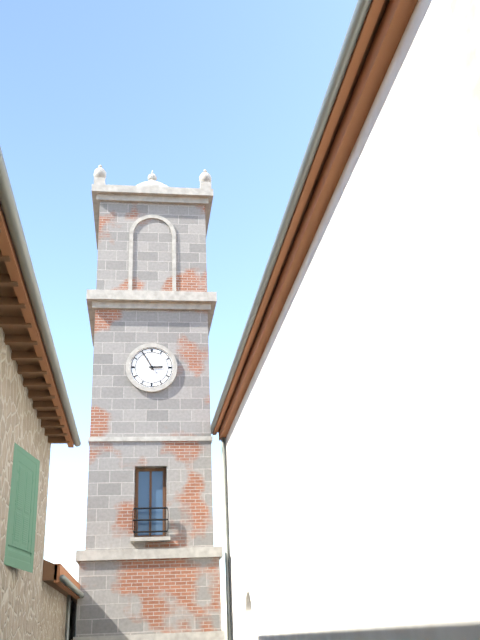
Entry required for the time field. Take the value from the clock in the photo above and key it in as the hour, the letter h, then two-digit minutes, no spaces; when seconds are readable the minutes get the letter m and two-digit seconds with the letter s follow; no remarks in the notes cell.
2h55
